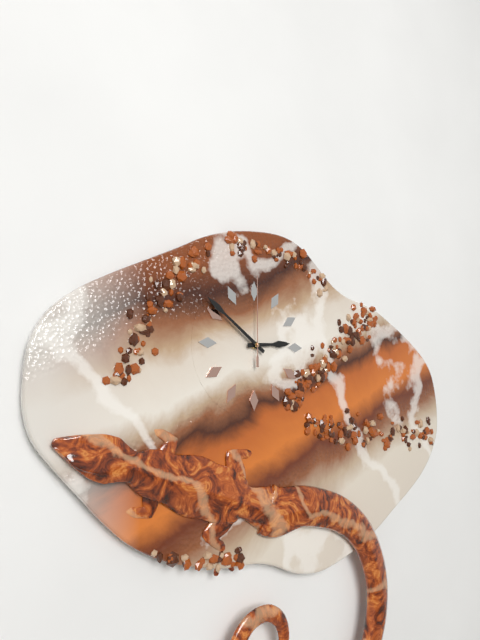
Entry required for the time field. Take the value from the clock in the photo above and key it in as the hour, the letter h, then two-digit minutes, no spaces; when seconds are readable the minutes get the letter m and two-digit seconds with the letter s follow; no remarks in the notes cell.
2h51m00s
